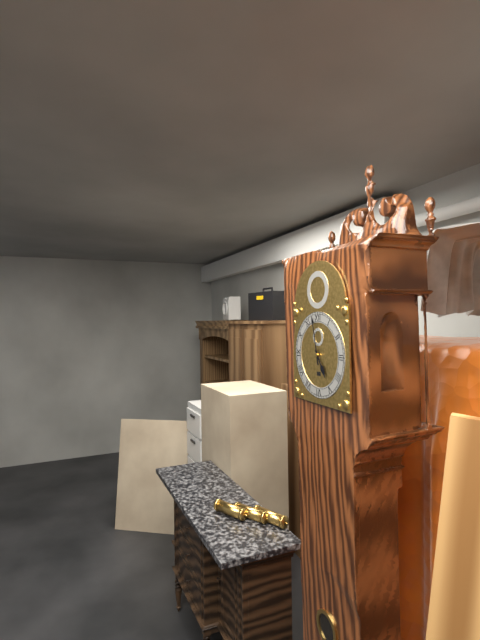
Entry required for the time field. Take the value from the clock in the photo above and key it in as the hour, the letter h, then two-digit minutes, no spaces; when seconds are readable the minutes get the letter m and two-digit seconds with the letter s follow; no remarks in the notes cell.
4h58
